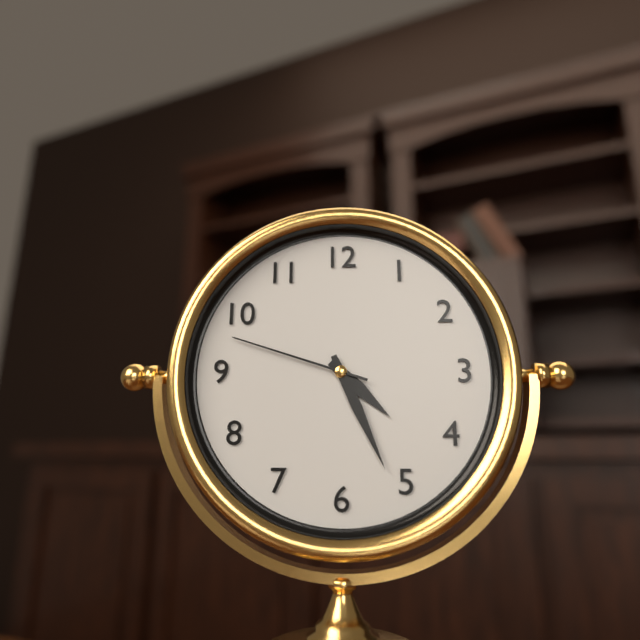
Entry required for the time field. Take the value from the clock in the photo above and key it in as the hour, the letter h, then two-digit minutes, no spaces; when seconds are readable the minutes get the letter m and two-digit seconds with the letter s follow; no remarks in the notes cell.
4h26m48s
